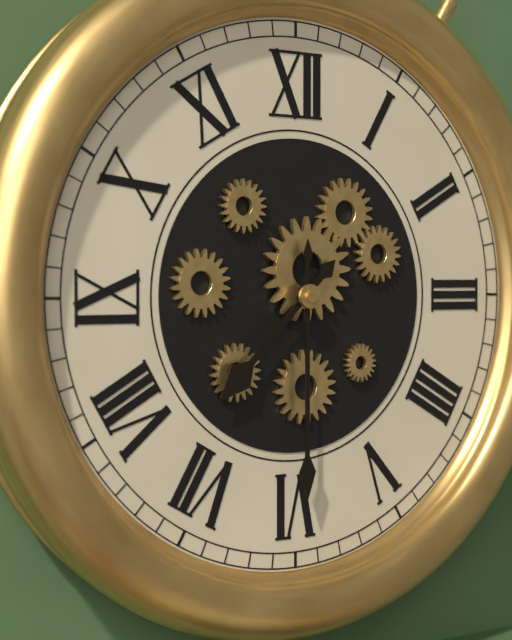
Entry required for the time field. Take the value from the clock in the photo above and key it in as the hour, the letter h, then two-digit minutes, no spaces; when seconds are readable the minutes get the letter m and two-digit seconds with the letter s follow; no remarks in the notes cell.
7h30
